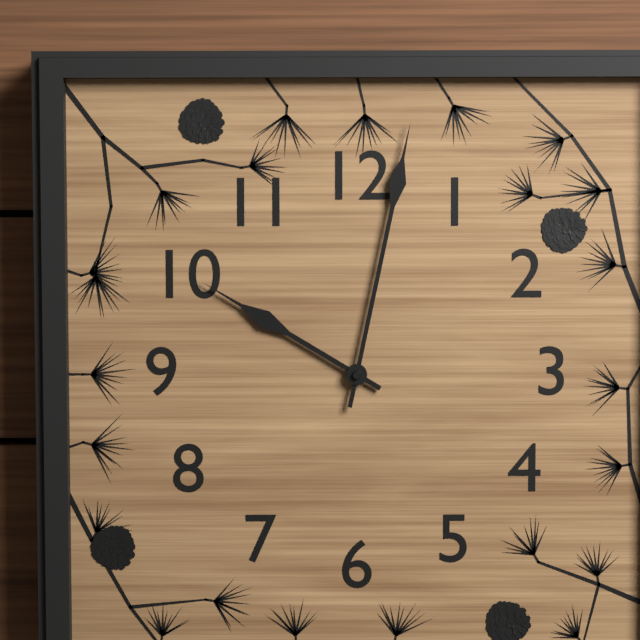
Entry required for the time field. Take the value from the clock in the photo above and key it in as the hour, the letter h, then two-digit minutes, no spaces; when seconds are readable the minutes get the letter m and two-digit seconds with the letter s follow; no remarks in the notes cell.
10h02
